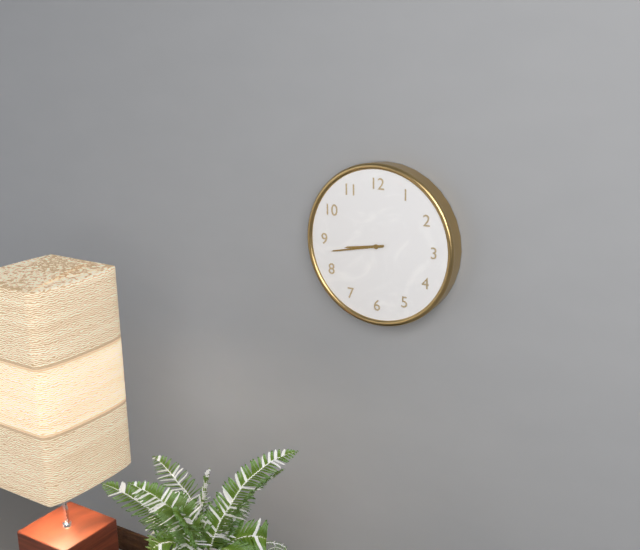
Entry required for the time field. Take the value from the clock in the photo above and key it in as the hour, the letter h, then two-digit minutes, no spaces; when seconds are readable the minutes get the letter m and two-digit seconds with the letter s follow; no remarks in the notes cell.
8h43
